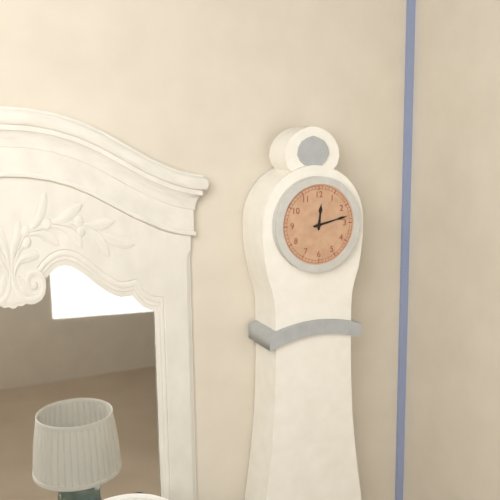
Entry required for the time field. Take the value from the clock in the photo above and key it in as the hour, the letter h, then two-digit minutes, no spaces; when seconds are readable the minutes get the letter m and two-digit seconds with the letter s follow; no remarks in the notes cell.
12h13
